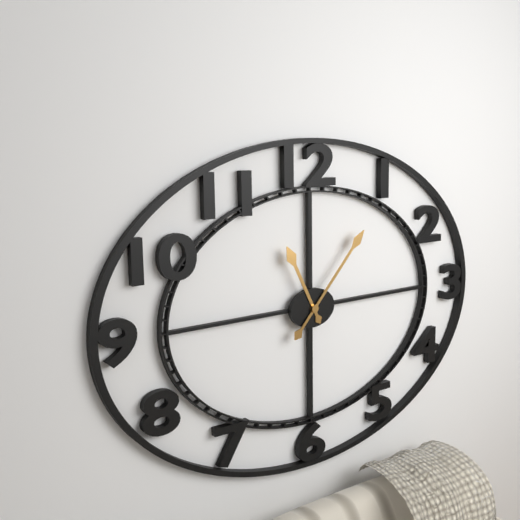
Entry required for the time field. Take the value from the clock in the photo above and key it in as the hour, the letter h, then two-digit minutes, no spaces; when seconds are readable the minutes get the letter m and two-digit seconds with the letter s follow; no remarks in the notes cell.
11h07
